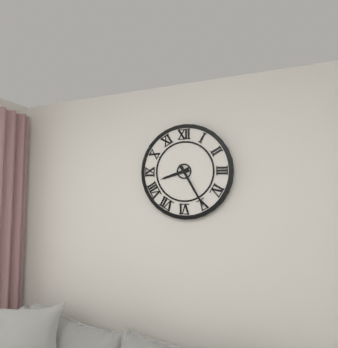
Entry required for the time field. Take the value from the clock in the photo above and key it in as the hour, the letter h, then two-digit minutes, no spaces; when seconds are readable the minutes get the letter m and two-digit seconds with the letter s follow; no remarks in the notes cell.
8h25
